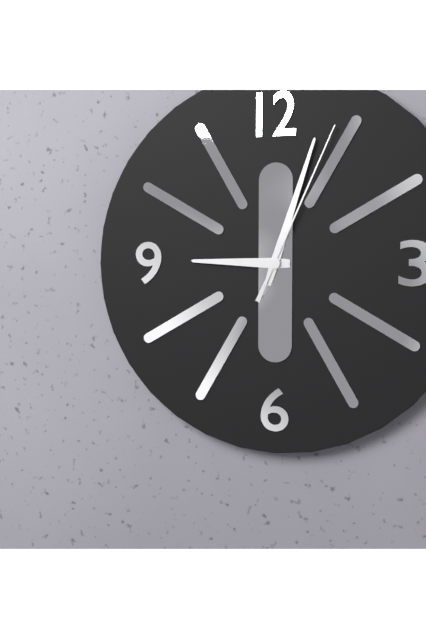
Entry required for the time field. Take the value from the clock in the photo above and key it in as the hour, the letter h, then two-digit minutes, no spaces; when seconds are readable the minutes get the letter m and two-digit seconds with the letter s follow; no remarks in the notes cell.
9h03m04s
